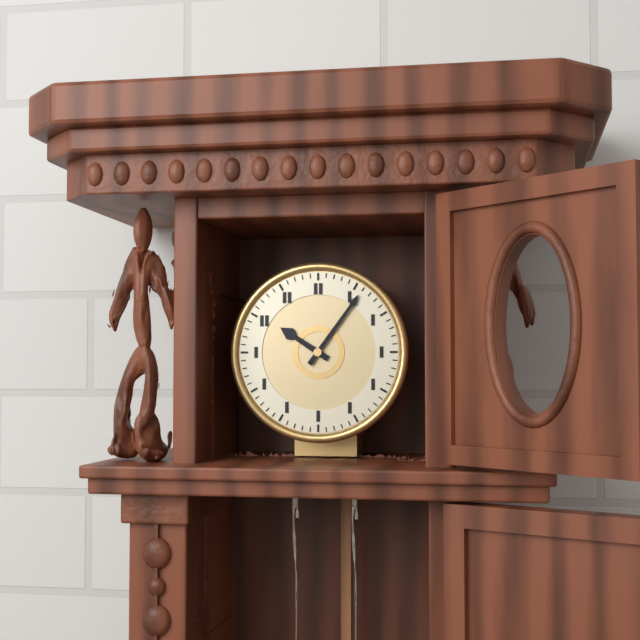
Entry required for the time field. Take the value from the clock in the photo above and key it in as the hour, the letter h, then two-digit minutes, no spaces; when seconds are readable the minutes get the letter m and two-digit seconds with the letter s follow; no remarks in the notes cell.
10h06
